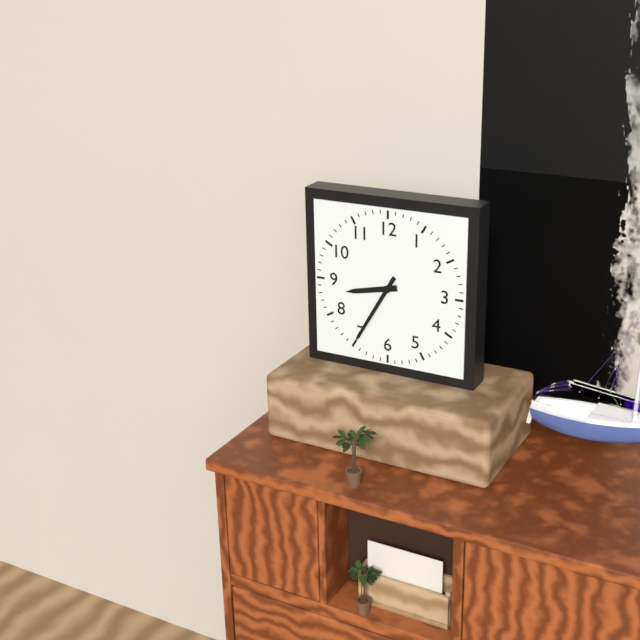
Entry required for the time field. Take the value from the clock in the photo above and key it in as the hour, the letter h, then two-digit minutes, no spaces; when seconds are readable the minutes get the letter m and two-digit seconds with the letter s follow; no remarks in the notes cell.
8h35
